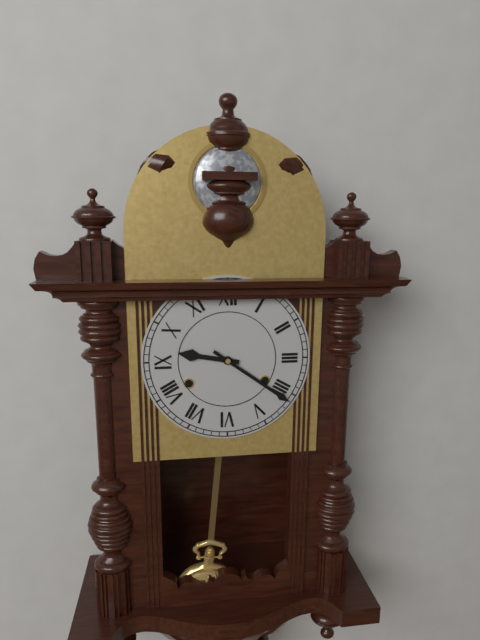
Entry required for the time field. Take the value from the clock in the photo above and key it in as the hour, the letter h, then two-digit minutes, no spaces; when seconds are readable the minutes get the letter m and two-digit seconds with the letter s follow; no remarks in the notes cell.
9h21
